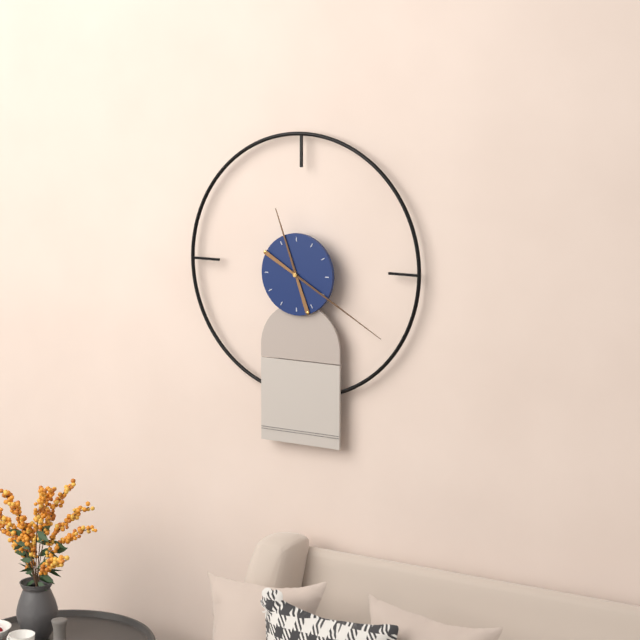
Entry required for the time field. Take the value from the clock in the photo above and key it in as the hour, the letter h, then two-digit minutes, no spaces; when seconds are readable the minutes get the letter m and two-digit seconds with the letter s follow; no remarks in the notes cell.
11h20
